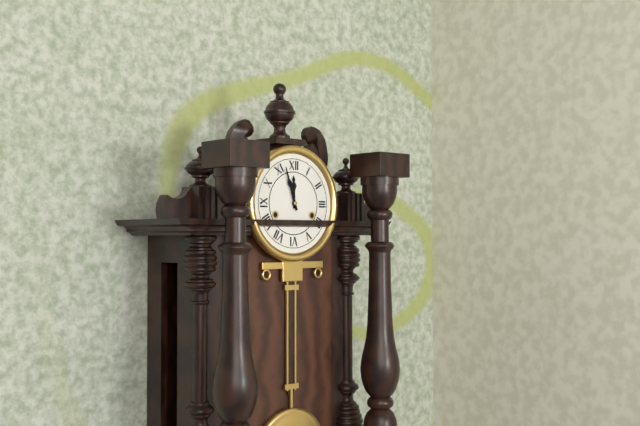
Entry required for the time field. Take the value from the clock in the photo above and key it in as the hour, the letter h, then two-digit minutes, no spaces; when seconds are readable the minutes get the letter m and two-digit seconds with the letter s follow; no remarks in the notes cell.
11h57
